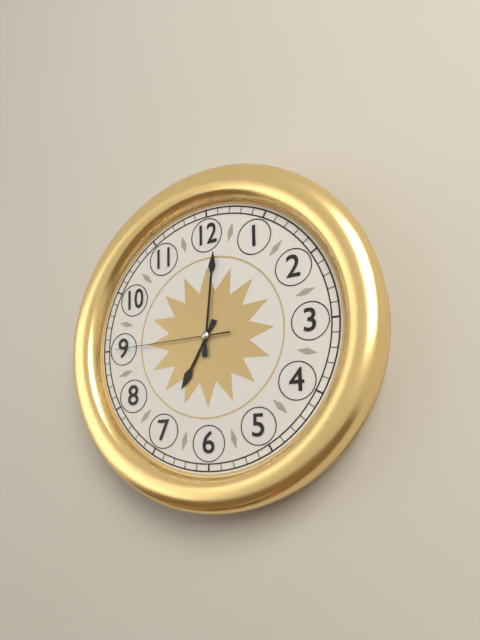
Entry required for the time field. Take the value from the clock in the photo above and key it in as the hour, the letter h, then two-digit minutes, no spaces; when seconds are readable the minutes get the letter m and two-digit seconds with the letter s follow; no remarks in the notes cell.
7h01m45s
